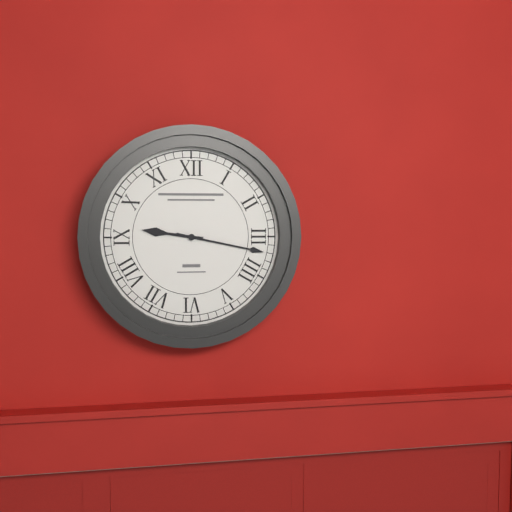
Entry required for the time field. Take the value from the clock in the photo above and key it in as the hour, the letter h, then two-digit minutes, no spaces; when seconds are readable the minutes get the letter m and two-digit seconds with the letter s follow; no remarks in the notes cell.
9h17
